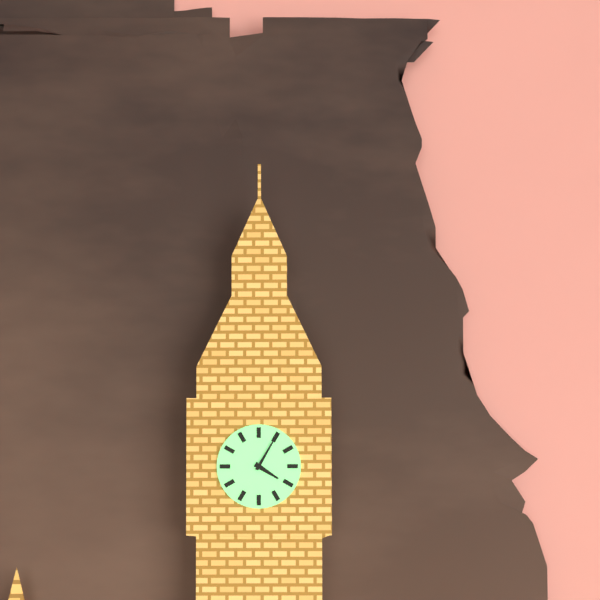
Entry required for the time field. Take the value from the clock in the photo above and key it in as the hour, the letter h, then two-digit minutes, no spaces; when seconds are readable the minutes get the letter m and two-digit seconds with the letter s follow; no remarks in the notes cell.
4h05
